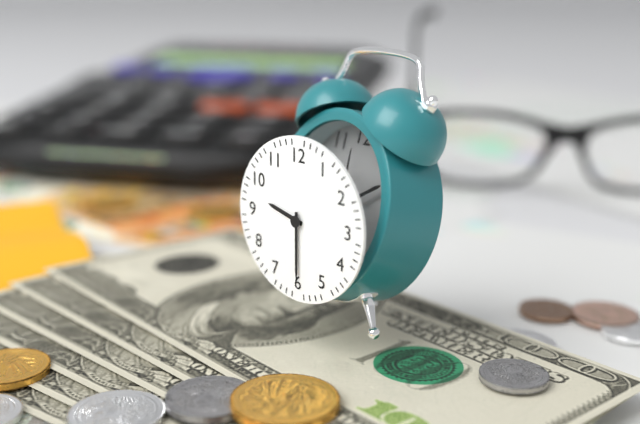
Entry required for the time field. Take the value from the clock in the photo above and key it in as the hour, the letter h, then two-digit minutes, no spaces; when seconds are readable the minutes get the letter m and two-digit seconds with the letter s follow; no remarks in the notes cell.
9h30
